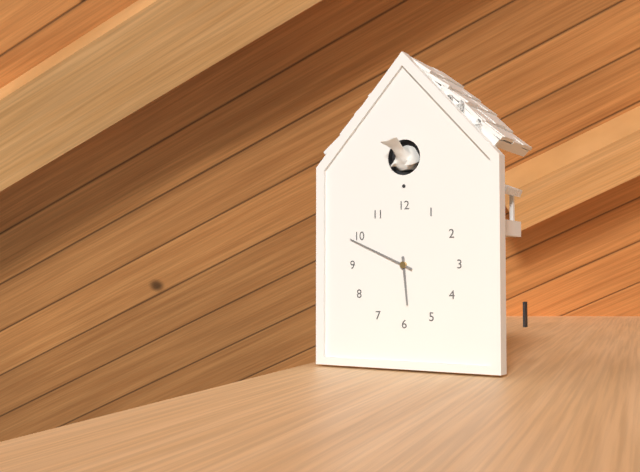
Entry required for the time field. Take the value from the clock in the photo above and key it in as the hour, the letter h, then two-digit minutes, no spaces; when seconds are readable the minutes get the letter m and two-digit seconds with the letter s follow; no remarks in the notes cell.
5h49
